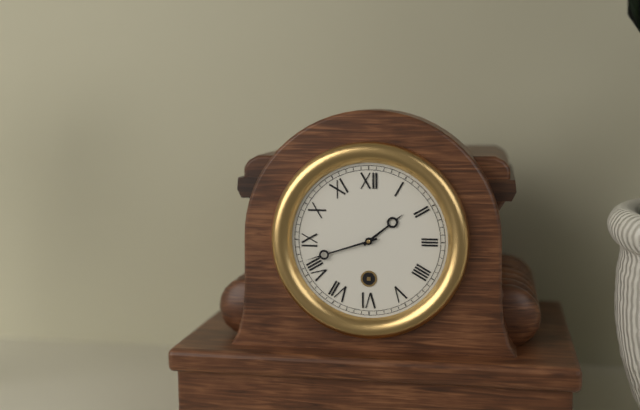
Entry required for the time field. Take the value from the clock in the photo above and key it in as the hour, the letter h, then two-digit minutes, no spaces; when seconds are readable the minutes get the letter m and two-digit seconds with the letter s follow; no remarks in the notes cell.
1h42
